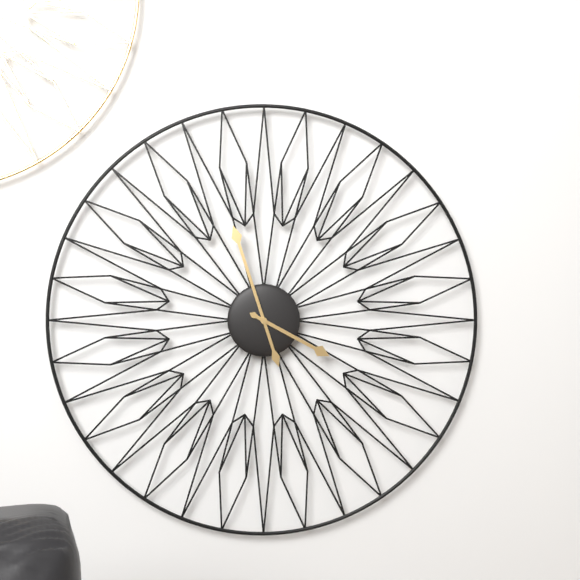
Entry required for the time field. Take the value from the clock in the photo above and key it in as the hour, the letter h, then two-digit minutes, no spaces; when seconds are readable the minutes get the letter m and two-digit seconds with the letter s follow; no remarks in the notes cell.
3h57
